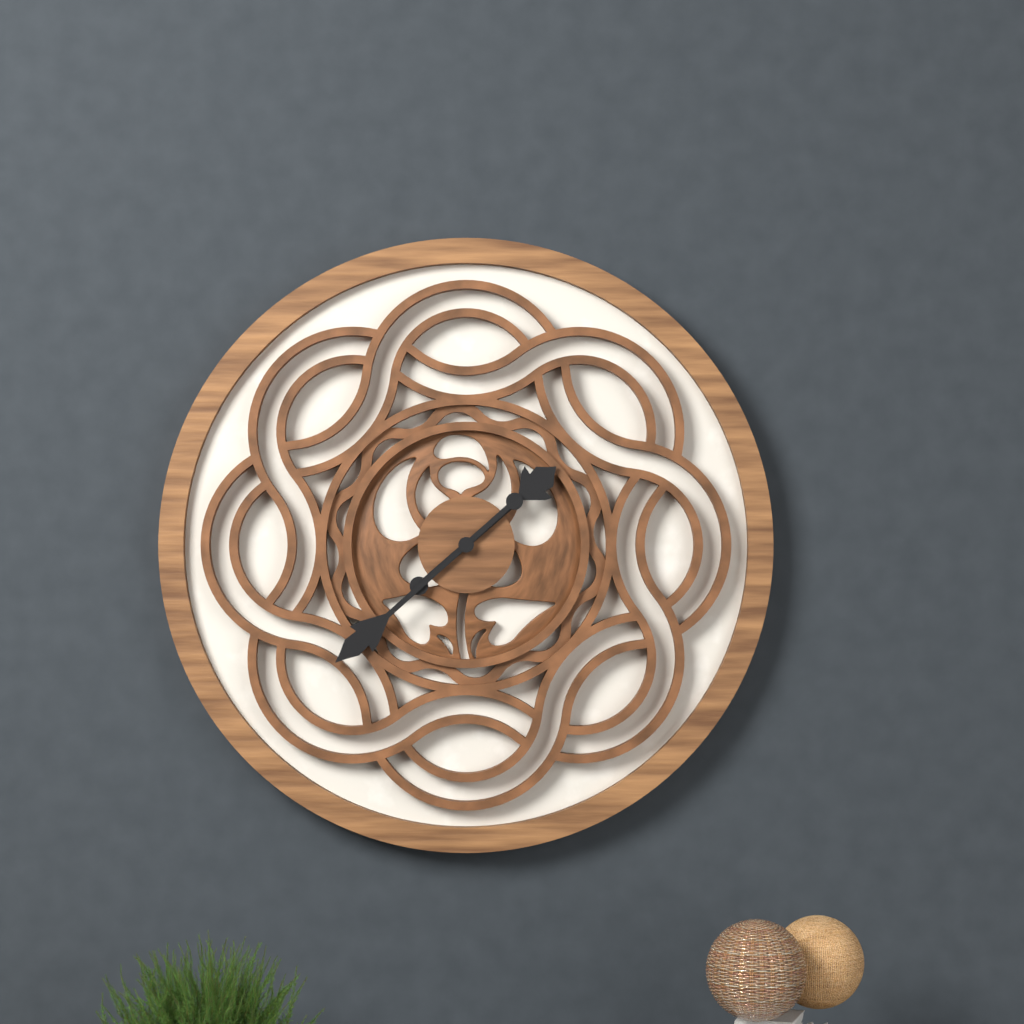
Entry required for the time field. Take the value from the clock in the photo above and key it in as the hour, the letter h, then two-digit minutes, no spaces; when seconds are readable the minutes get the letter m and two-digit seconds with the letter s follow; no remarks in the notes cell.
1h38
